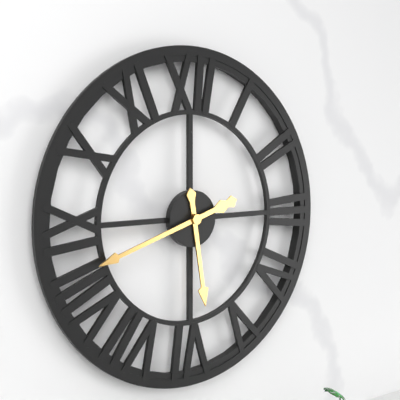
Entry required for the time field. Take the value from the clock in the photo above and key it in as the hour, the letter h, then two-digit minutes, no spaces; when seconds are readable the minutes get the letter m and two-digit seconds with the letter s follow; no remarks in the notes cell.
5h42
